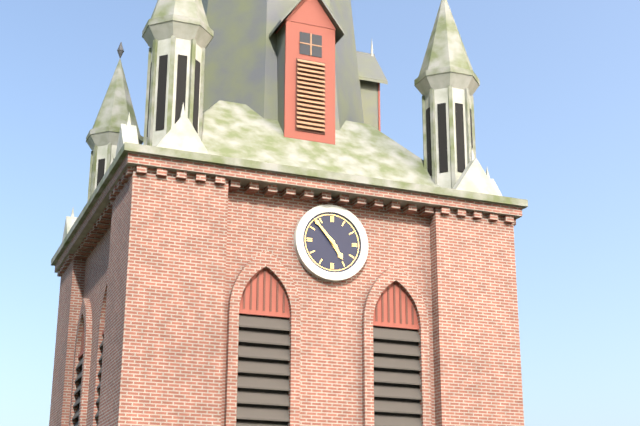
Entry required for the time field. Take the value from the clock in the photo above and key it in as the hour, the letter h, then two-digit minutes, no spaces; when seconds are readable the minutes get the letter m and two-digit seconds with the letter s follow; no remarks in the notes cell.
4h53
